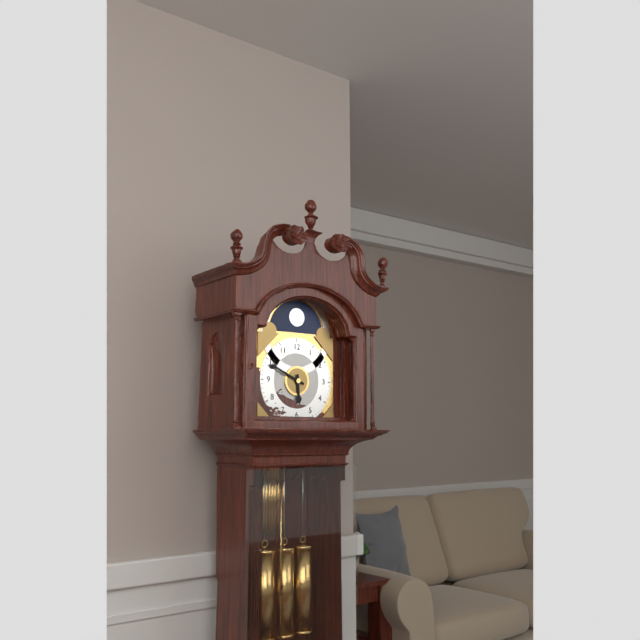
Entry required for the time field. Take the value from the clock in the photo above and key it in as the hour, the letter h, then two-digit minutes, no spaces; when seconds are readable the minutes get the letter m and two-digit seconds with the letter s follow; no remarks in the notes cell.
5h49
